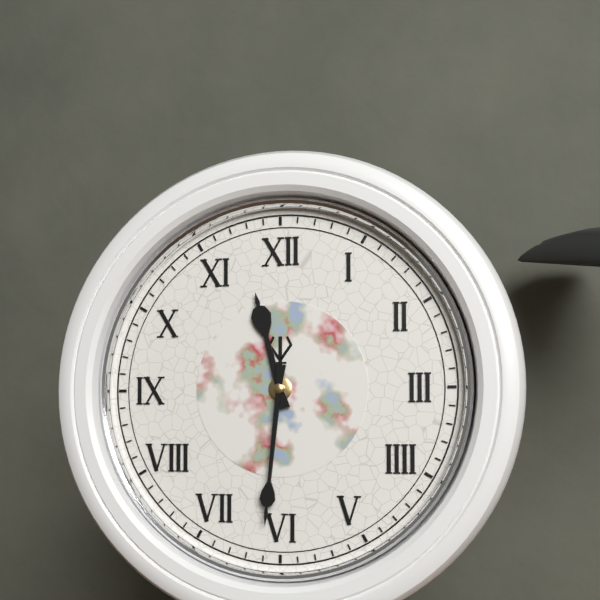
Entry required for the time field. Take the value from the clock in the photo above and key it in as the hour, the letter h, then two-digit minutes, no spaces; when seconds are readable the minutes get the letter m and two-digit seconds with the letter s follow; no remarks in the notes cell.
11h31
